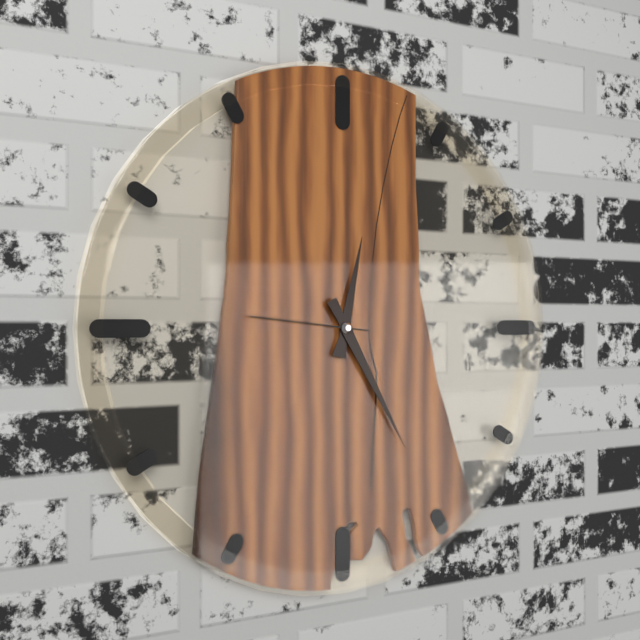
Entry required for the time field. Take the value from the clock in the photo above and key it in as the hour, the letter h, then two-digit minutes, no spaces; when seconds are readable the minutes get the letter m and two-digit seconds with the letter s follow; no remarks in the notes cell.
12h25m46s
